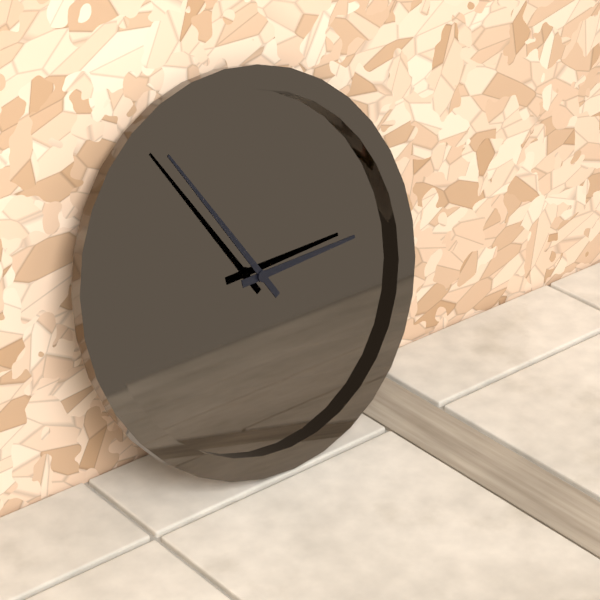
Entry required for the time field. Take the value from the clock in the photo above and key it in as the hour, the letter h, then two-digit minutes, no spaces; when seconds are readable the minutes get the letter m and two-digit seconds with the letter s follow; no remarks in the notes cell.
2h55
